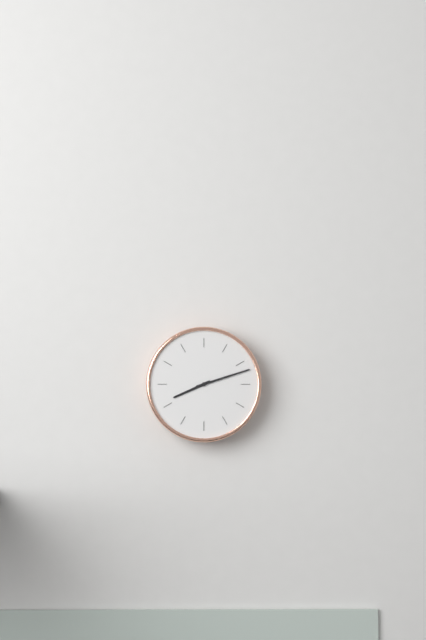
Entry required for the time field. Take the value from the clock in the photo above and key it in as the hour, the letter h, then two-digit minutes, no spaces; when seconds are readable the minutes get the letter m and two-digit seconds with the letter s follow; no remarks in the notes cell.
8h12
